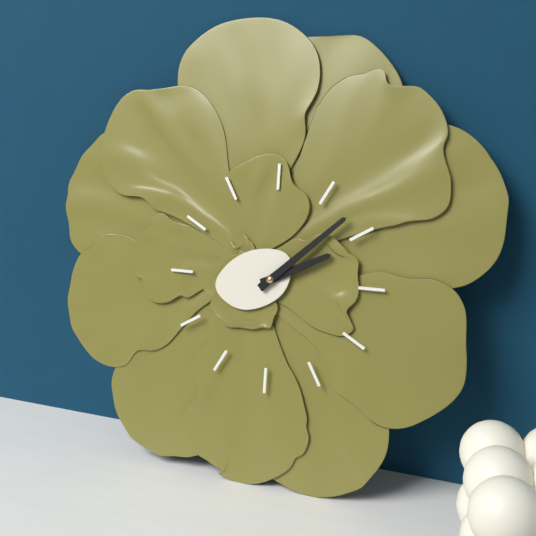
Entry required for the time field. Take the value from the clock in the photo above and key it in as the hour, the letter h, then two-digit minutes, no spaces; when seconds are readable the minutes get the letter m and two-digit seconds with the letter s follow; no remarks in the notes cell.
2h08
